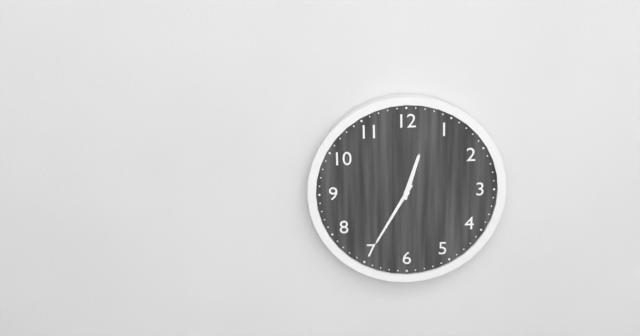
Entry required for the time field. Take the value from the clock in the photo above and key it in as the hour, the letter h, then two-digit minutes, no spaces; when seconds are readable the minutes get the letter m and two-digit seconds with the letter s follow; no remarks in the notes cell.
12h35
